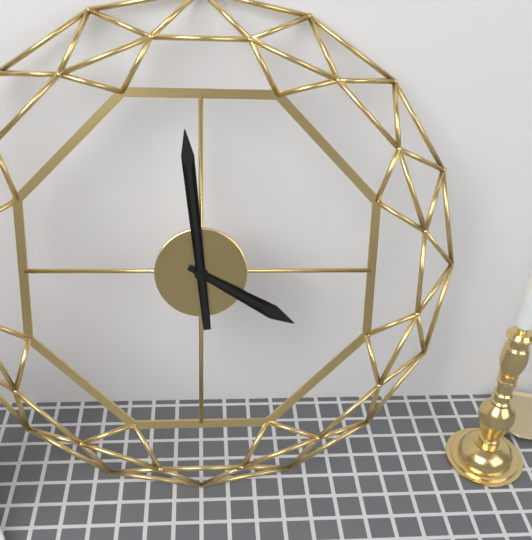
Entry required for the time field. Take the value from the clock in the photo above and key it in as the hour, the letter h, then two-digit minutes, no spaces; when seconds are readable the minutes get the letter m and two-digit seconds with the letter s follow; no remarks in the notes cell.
3h59
